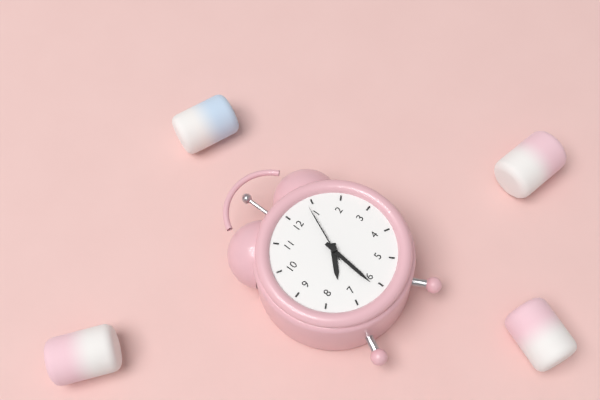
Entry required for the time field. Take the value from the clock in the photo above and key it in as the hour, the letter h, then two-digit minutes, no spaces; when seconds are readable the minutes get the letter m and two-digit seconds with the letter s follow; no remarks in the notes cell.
7h31m04s
